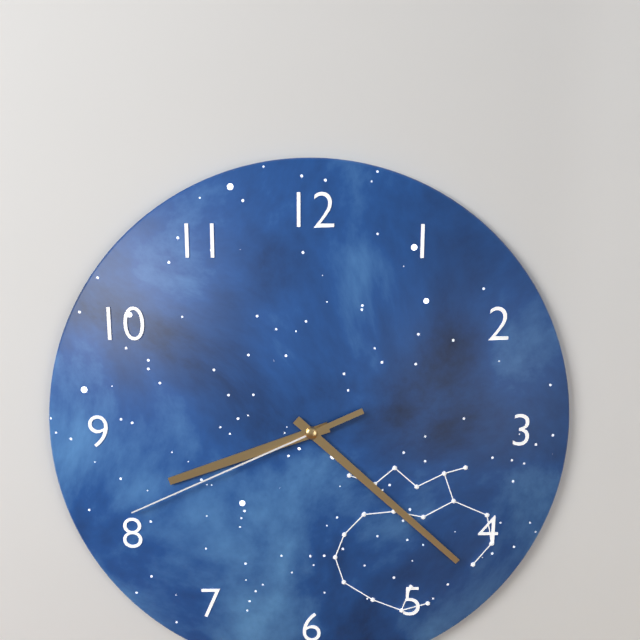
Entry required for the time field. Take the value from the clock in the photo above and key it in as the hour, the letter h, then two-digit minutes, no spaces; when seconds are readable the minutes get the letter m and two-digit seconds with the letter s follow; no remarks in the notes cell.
8h22m41s
